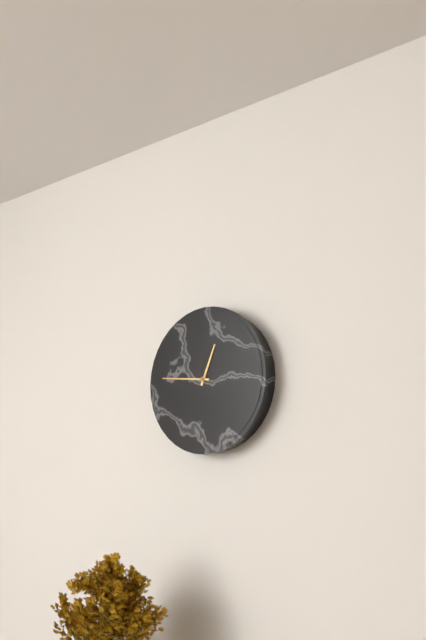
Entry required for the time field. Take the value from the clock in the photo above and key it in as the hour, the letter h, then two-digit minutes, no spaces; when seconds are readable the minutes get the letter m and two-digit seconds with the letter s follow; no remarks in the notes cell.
12h46
